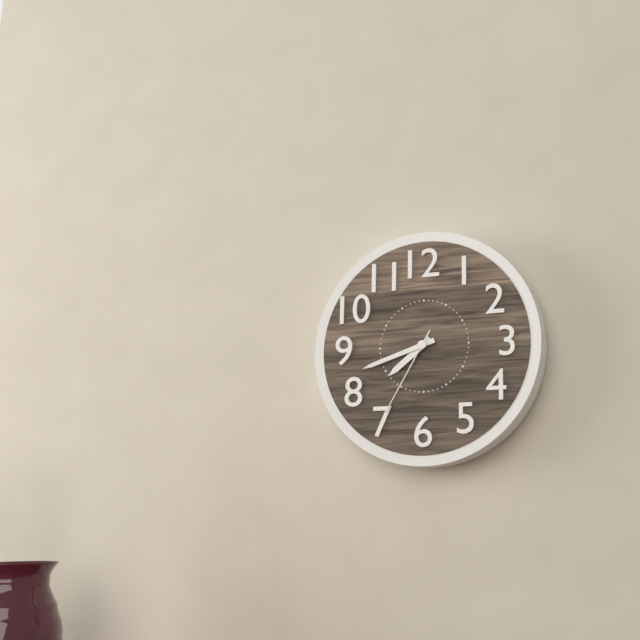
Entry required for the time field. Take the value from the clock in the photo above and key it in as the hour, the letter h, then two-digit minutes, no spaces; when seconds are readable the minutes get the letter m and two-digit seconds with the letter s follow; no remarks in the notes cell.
7h42m35s
